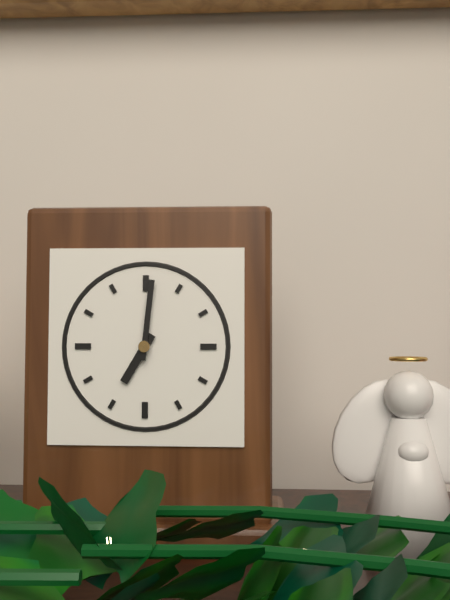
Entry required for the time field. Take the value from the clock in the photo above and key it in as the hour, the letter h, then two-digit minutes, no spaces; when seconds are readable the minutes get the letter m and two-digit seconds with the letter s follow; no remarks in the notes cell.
7h01
